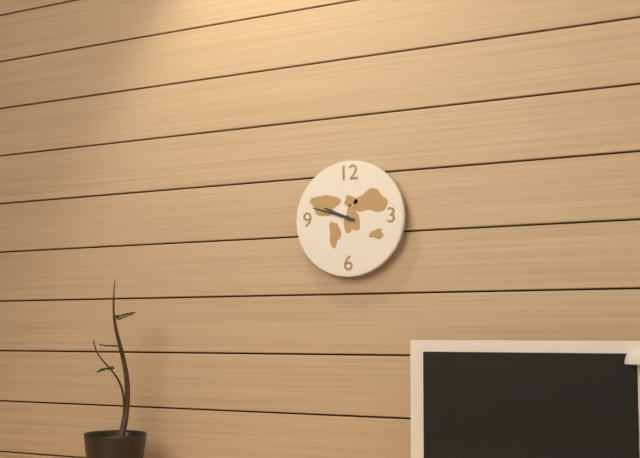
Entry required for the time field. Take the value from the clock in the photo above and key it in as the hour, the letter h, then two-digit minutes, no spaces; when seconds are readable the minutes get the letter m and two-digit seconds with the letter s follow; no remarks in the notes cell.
9h48
